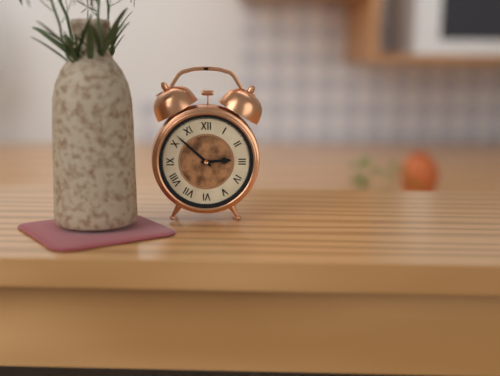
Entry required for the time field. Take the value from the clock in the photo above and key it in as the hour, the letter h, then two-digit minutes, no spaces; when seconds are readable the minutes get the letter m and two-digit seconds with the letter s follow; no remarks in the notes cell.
2h52
